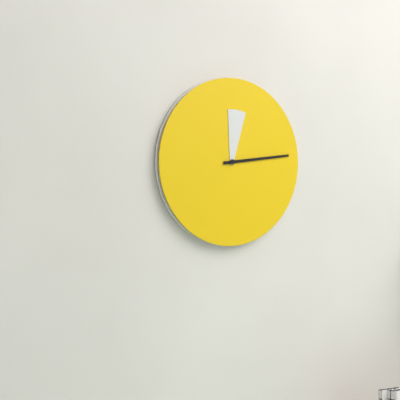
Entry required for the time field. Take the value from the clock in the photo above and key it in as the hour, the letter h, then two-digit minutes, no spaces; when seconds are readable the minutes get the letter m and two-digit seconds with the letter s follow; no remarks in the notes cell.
12h14
